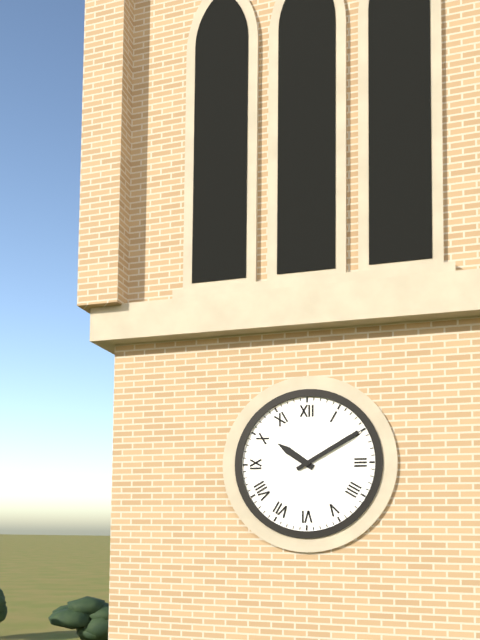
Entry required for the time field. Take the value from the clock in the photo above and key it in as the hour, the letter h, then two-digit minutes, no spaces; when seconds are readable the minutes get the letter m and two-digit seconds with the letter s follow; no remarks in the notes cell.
10h10
